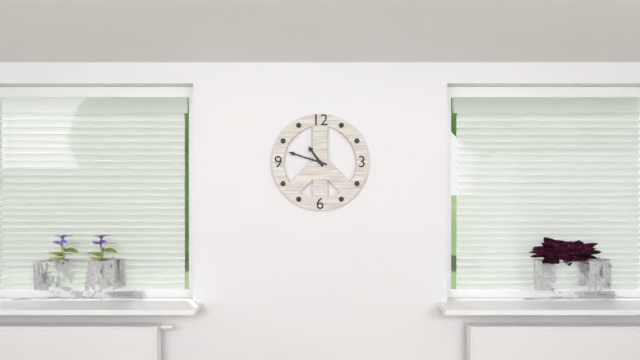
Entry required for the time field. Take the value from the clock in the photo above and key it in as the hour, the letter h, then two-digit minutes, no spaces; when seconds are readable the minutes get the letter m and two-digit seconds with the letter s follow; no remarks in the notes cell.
10h48
